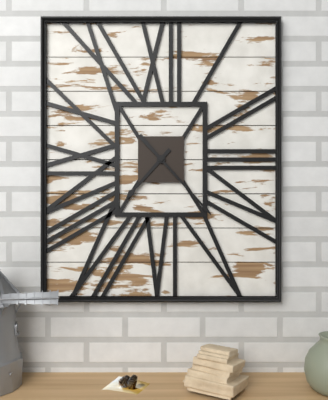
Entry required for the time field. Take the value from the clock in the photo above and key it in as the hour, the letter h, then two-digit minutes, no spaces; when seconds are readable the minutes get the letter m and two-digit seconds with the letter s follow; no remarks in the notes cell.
7h23
